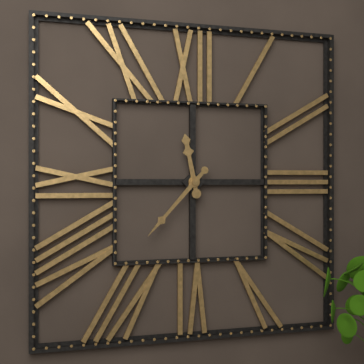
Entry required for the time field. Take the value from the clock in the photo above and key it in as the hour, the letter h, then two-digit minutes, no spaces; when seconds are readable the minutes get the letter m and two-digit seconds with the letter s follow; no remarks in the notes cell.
11h37
